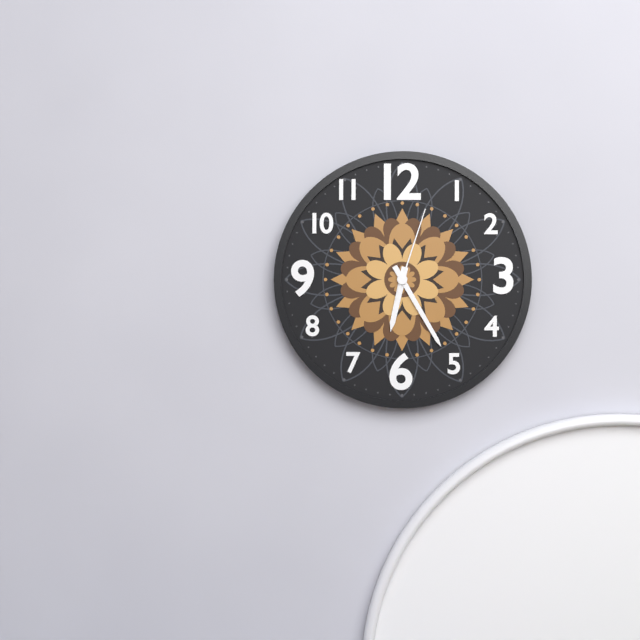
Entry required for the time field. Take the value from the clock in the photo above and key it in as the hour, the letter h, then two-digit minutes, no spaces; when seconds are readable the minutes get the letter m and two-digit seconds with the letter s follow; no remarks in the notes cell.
6h25m03s
